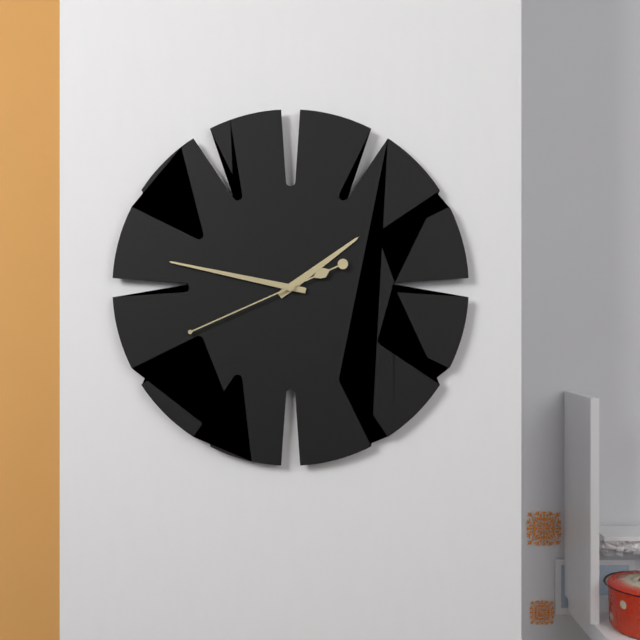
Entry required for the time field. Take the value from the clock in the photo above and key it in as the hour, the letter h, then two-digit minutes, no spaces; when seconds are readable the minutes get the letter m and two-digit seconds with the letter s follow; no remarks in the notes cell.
1h47m41s
